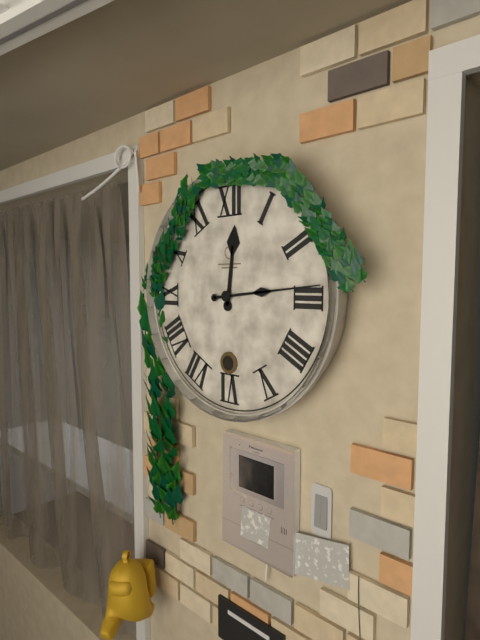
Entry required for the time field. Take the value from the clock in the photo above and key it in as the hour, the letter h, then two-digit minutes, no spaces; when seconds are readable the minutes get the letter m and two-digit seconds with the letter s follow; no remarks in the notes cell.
12h14
